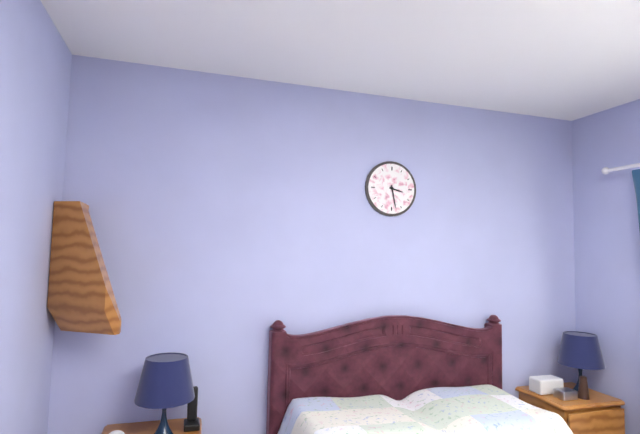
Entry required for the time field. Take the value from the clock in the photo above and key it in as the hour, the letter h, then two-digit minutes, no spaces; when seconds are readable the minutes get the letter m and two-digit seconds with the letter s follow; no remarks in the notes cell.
3h28
